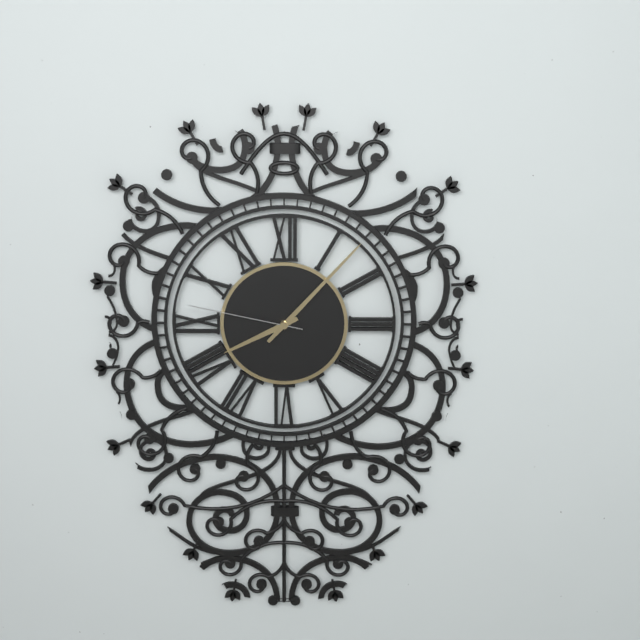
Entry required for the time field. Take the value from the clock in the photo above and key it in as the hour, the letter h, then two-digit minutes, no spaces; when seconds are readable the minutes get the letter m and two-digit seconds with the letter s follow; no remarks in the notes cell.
8h07m47s
